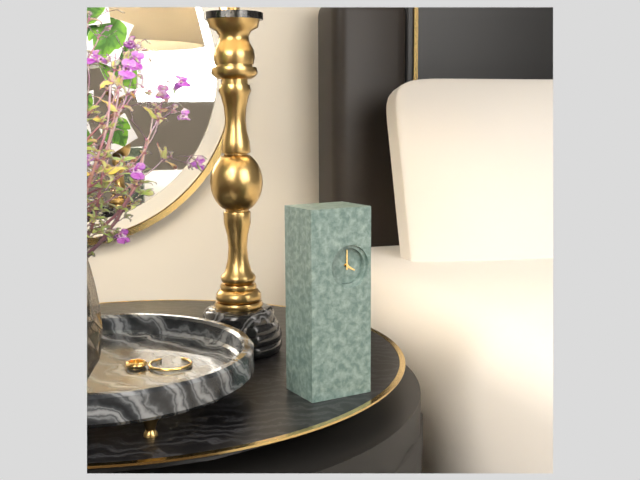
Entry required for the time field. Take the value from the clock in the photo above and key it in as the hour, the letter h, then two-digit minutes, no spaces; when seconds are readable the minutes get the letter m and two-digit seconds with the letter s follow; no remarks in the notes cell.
4h00
